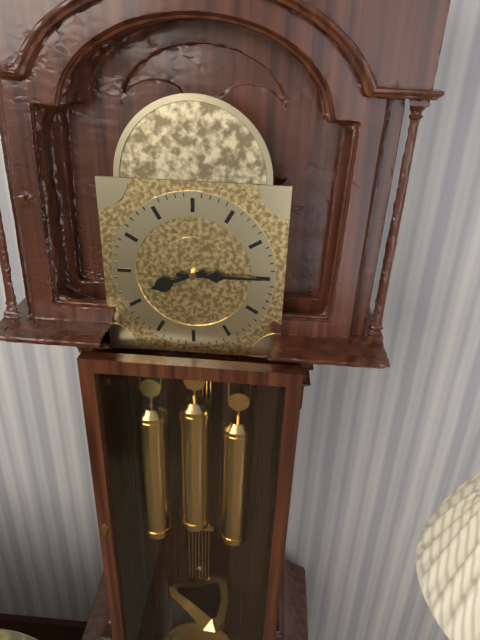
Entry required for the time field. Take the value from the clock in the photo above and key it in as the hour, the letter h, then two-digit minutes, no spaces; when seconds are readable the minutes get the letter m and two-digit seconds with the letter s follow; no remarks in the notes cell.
8h15
